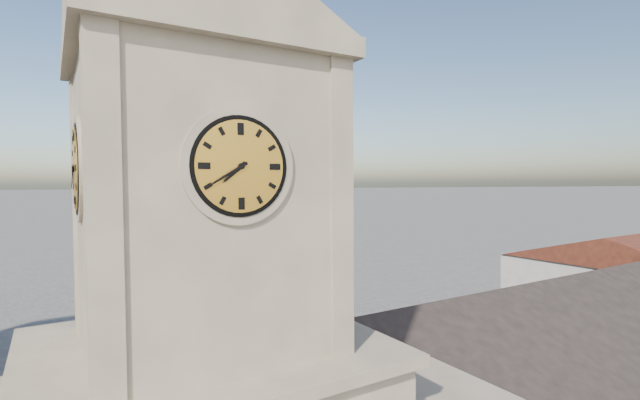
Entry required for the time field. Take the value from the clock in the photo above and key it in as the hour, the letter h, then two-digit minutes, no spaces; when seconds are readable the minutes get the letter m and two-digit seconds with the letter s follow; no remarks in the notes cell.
7h40
